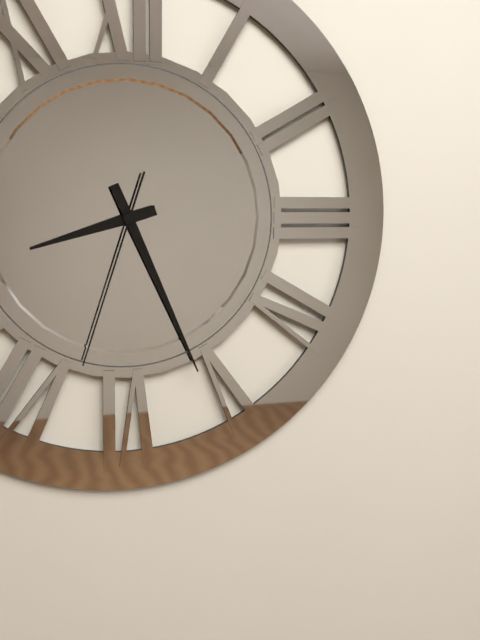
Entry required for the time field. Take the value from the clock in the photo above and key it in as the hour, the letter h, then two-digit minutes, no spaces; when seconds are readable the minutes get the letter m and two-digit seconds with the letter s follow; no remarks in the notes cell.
8h26m33s
